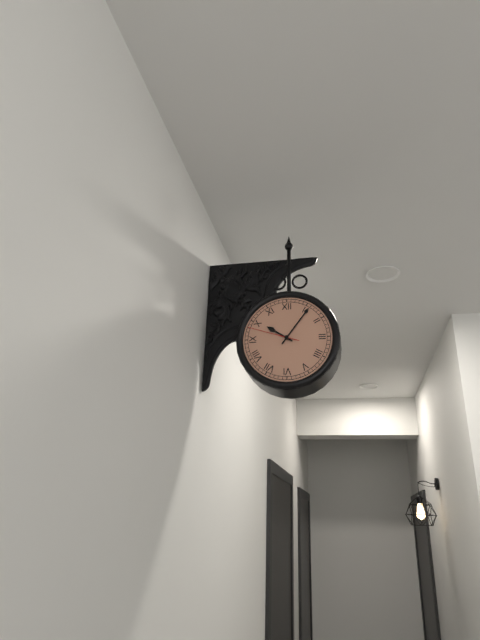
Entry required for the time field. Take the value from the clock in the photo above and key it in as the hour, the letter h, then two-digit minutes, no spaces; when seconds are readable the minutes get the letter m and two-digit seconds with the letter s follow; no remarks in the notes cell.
10h06m48s
